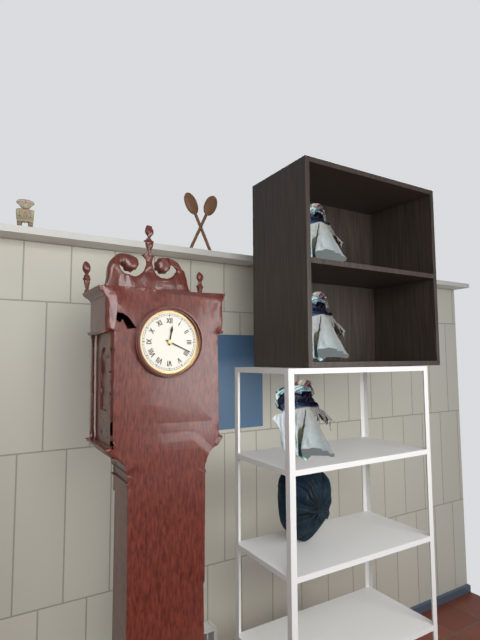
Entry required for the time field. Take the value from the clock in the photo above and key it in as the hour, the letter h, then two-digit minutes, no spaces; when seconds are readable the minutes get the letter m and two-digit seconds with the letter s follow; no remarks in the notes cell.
12h19
